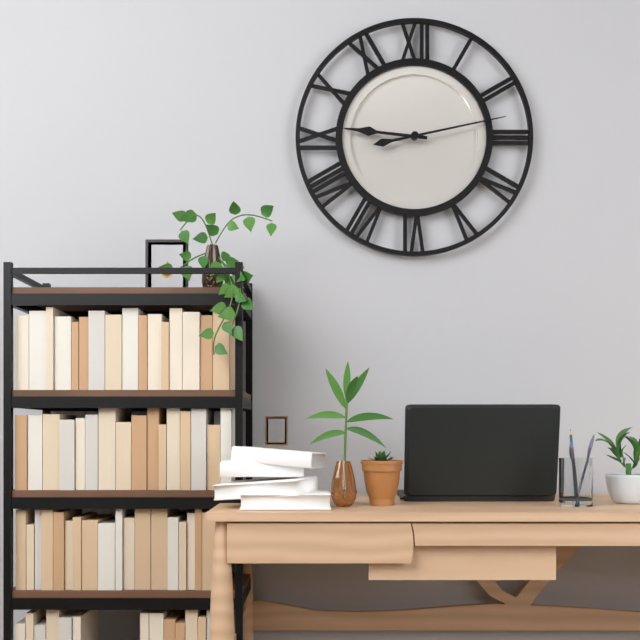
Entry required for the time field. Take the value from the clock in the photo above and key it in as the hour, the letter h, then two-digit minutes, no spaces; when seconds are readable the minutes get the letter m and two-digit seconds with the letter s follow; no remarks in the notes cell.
9h13
